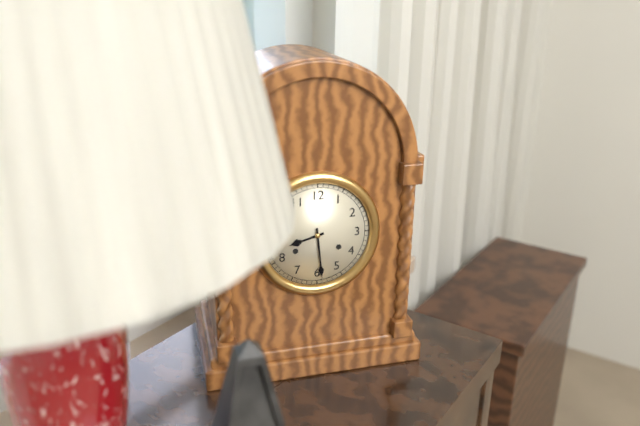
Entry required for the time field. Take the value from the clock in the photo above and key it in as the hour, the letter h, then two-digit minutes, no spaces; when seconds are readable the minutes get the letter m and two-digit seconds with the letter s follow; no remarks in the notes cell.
8h29
